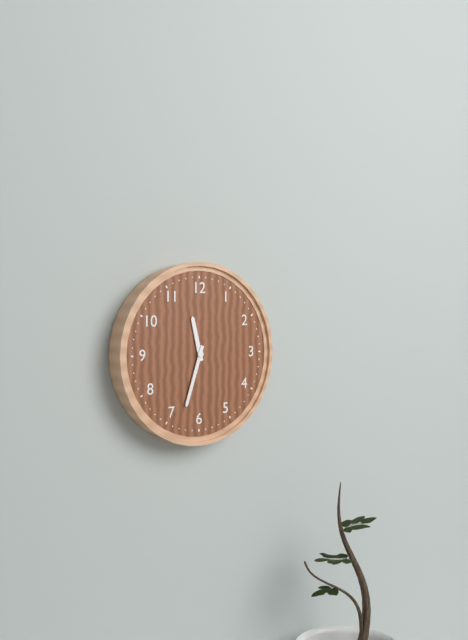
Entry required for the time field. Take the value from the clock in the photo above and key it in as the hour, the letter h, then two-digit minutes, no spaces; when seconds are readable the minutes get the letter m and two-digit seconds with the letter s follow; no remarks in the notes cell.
11h33
